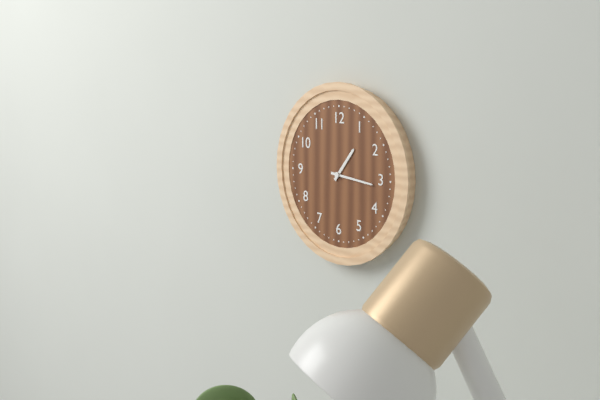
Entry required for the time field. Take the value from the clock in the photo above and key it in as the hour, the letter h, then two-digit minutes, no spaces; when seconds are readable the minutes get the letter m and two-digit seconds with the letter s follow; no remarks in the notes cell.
1h16
